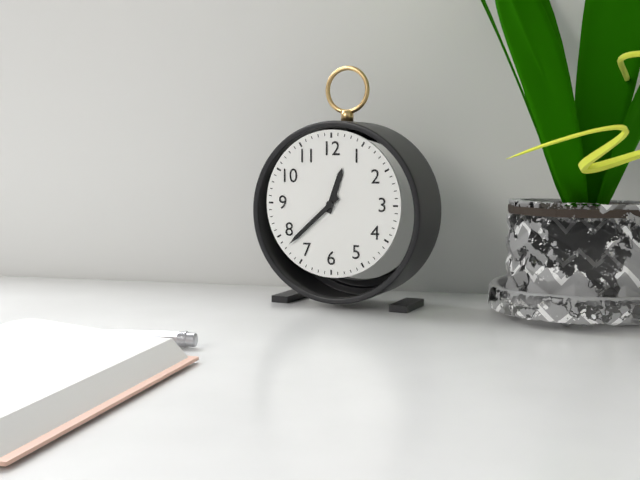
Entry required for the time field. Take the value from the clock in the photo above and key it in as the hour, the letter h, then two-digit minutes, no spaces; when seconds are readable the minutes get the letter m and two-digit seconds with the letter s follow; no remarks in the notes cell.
12h38
